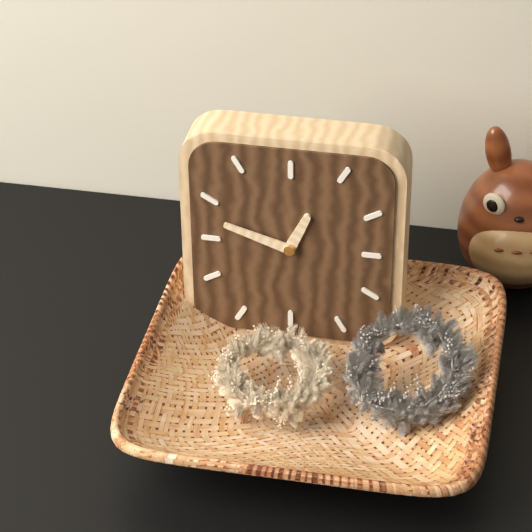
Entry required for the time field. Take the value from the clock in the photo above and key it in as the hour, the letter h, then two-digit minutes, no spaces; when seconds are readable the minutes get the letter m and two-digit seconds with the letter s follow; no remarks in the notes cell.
12h48
